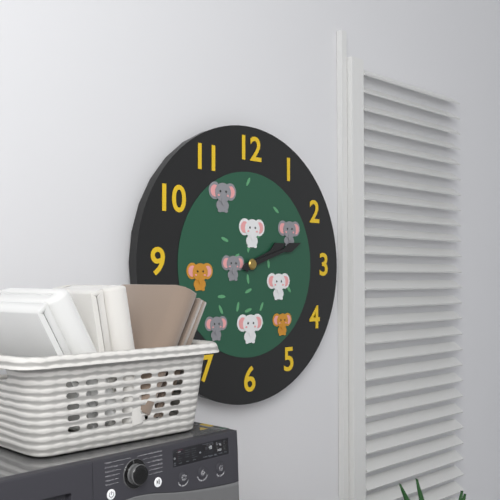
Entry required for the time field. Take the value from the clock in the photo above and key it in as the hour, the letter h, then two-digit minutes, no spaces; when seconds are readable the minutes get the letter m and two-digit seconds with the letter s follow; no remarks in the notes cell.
2h12
